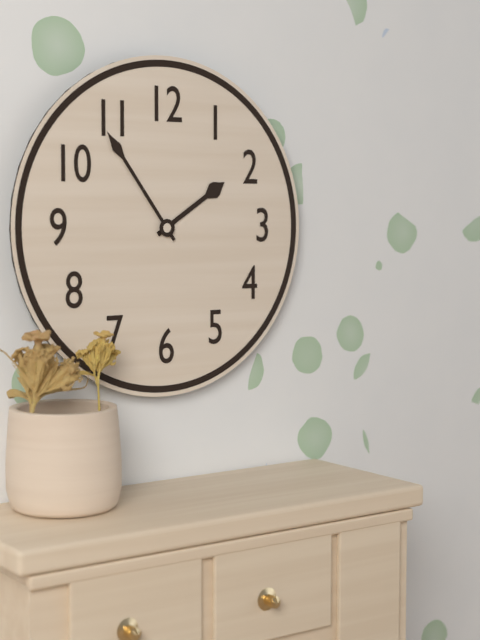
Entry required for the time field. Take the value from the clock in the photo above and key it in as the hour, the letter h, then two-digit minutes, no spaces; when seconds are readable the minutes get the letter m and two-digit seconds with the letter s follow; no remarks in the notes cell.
1h54
